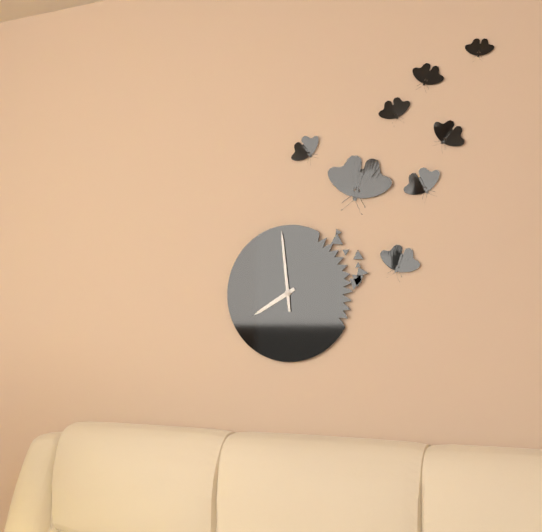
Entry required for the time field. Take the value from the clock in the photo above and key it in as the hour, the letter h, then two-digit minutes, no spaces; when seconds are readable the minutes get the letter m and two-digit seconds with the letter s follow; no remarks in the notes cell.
7h59
